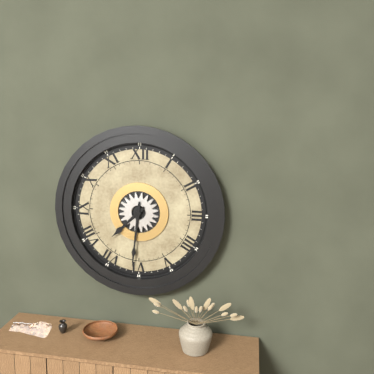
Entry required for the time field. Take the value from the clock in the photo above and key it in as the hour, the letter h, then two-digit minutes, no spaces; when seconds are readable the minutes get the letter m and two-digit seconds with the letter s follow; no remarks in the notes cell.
7h31
